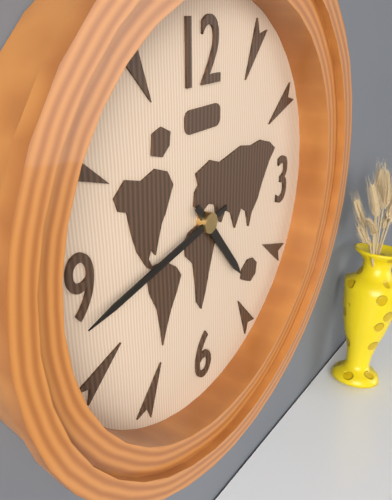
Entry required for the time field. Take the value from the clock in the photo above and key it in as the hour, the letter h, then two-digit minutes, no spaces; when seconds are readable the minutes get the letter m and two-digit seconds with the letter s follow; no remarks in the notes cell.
4h43
